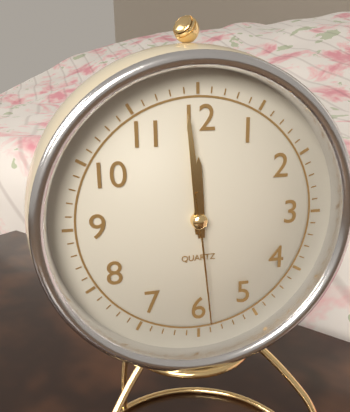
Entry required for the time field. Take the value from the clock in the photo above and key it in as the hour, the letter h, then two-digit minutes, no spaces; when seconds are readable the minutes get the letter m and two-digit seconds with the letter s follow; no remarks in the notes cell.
11h59m29s
